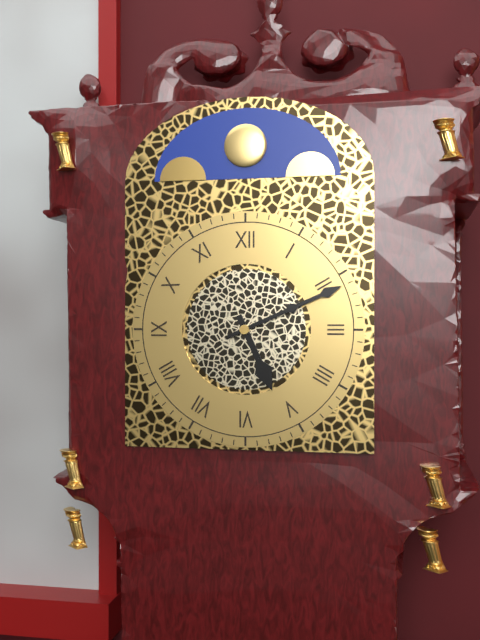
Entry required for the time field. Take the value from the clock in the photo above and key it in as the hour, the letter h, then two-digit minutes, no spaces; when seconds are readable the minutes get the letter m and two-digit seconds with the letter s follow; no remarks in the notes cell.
5h11
